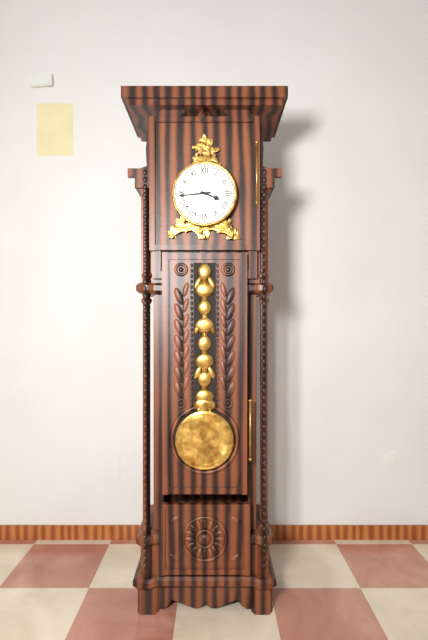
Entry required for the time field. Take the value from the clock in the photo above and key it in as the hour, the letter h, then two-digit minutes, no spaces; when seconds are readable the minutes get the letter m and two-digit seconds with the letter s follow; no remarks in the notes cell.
3h44
